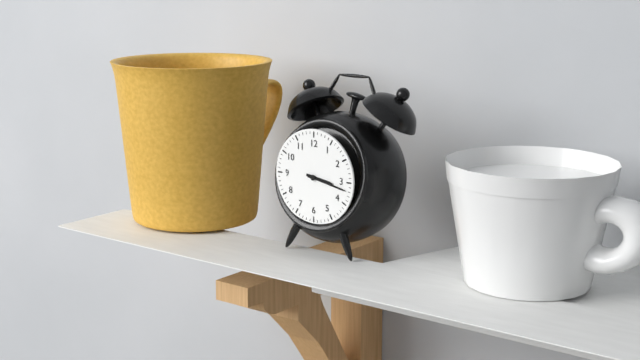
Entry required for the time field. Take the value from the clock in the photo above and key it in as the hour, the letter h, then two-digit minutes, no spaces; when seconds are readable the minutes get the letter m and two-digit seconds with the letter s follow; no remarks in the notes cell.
3h17
